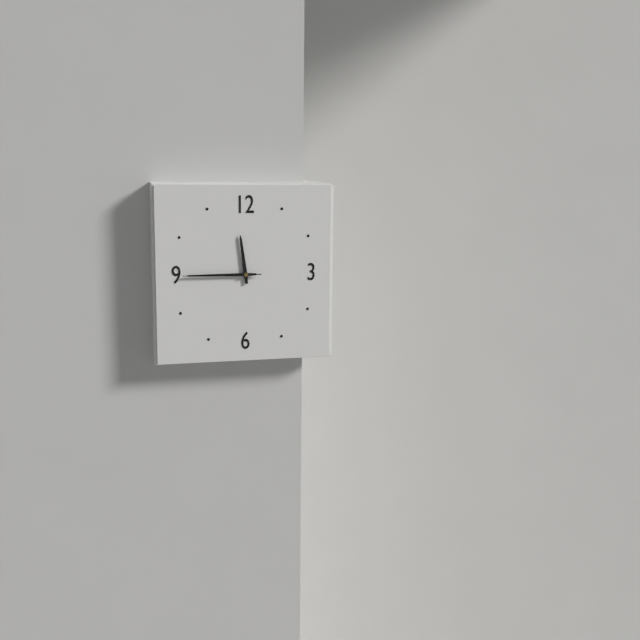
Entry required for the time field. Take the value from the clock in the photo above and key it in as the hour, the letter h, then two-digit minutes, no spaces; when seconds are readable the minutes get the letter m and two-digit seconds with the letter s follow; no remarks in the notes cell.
11h45m45s
